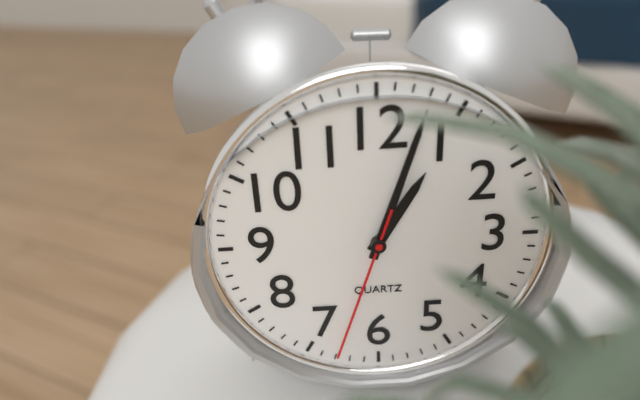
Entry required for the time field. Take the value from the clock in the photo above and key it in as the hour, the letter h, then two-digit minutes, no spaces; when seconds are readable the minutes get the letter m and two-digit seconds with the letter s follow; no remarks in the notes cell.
1h03m33s
